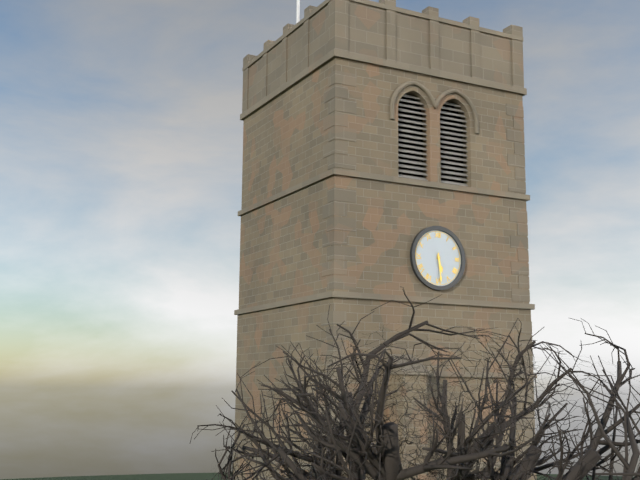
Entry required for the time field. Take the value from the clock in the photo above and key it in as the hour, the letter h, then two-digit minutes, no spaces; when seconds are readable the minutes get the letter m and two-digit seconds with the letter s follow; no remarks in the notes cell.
5h29
